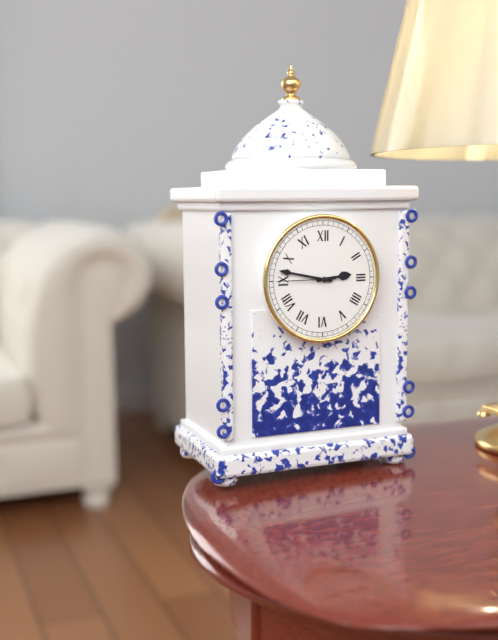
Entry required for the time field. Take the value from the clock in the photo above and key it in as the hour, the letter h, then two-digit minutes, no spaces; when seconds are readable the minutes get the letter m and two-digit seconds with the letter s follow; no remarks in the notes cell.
2h47m45s
